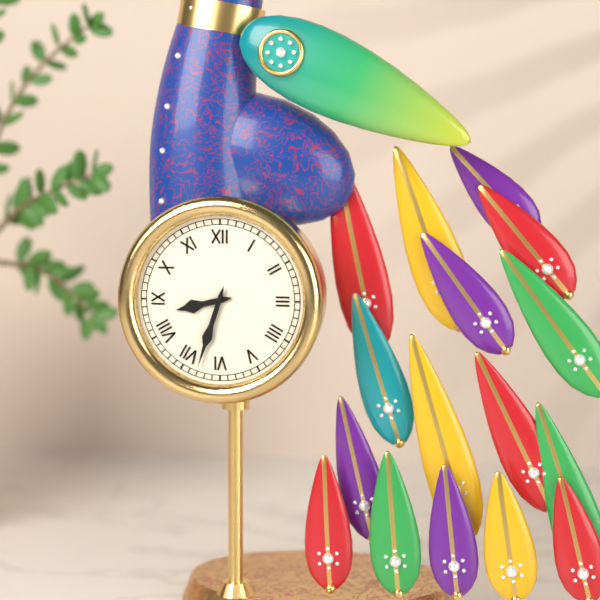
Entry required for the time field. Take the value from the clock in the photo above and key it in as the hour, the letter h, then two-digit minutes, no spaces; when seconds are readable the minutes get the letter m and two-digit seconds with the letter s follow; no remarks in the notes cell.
8h33
